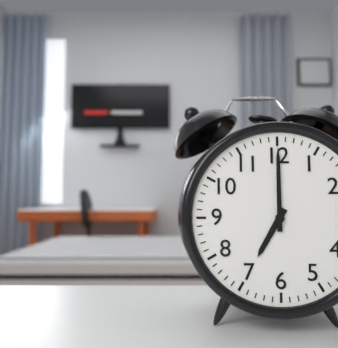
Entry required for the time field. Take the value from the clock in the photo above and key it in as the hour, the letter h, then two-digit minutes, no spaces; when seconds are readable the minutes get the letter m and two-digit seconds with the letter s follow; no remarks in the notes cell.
7h00
